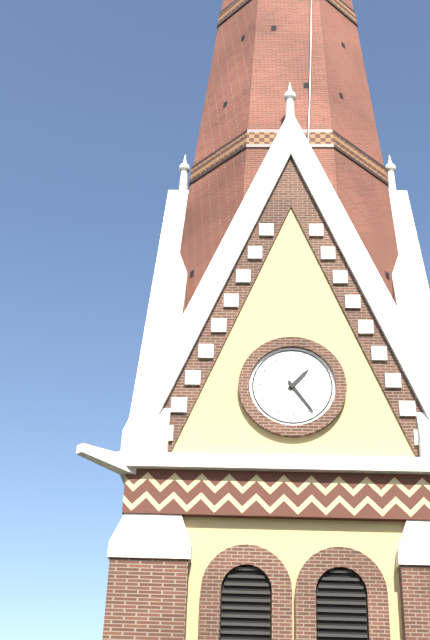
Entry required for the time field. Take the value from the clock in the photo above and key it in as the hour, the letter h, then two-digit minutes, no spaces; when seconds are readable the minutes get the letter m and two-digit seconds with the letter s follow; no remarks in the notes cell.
1h24
